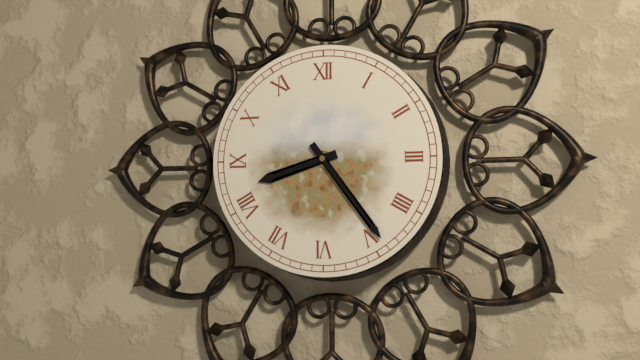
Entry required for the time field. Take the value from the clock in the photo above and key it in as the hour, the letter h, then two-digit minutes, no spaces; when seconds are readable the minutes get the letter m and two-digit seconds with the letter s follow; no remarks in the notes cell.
8h24
